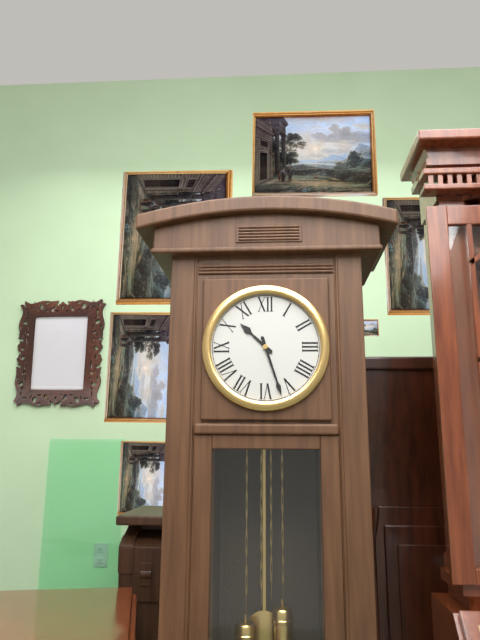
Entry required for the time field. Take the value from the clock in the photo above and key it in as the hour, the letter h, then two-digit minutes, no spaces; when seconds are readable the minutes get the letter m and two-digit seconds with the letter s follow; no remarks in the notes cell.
10h27
